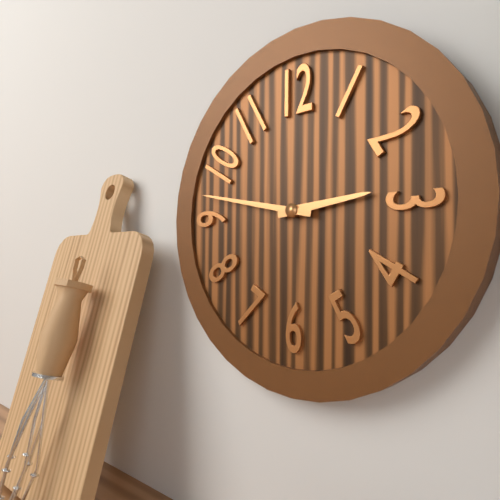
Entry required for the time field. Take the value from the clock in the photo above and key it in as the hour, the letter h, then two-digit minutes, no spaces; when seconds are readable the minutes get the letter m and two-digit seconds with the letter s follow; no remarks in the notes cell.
2h47
